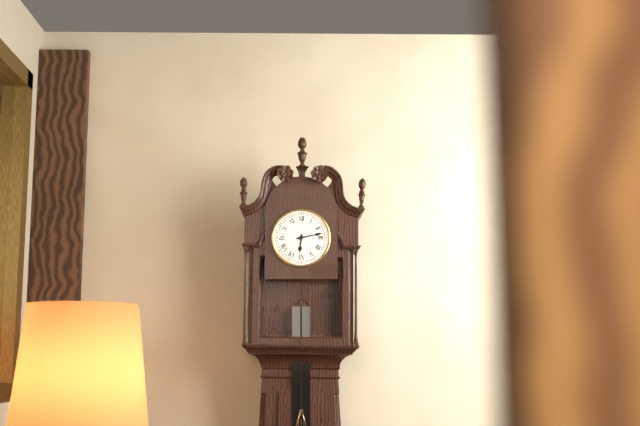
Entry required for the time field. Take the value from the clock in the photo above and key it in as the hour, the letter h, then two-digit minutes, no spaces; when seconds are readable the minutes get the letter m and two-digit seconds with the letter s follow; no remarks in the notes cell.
6h13
